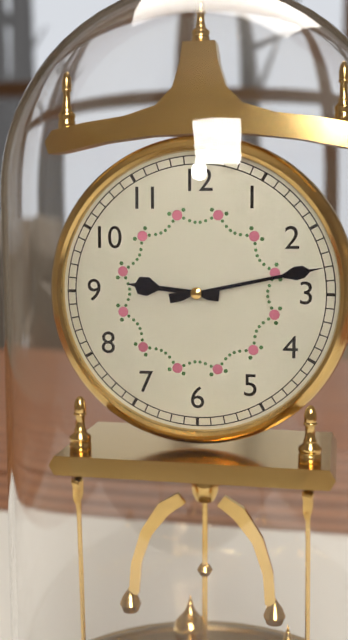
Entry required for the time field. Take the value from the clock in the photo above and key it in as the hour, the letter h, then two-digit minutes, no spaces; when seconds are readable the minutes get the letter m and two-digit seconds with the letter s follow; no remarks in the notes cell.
9h13
